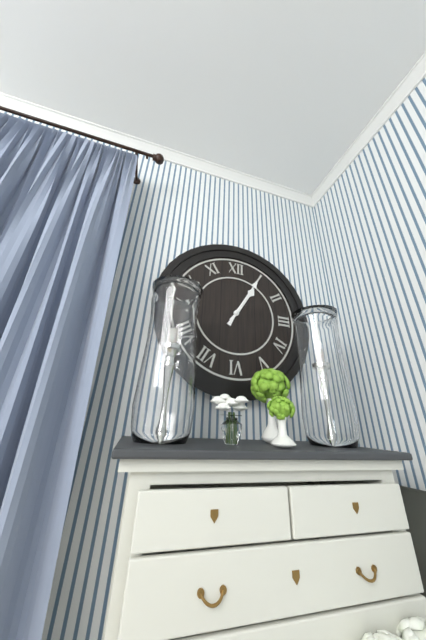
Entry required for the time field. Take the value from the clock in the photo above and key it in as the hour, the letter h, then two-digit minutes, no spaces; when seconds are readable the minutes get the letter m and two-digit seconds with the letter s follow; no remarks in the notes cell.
1h05
